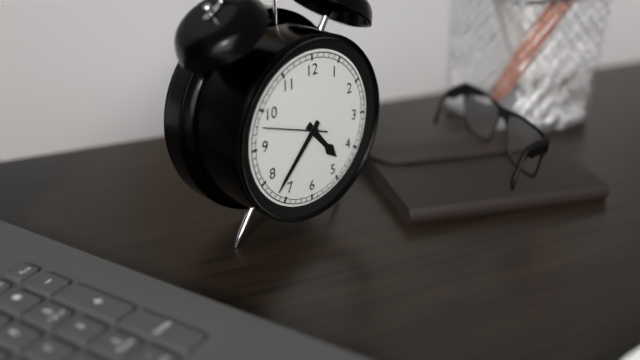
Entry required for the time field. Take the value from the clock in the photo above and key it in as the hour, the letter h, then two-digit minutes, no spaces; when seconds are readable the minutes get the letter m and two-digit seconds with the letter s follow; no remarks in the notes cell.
4h37m48s
